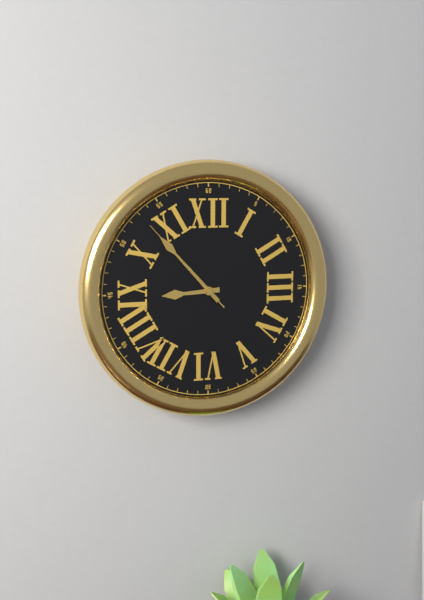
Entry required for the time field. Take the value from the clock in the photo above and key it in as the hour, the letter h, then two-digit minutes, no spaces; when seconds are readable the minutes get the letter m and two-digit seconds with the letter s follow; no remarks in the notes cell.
8h53m53s
